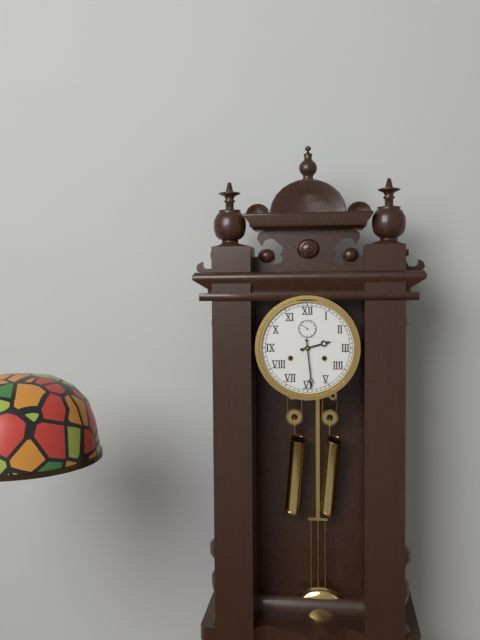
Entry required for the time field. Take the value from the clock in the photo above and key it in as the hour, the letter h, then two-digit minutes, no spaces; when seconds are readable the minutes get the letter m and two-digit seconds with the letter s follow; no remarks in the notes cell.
2h29
